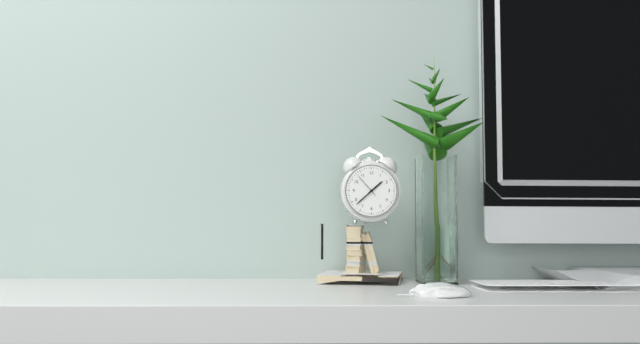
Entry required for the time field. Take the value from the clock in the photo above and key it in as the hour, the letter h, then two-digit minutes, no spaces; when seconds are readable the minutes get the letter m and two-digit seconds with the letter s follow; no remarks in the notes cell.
1h38
